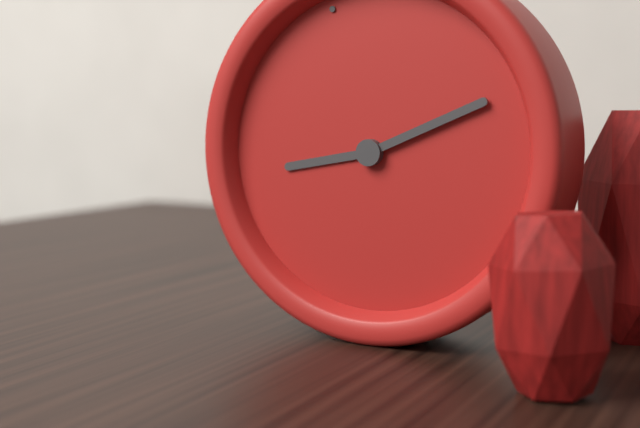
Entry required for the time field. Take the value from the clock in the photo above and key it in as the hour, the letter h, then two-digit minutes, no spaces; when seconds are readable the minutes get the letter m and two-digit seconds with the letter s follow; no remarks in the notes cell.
9h14
